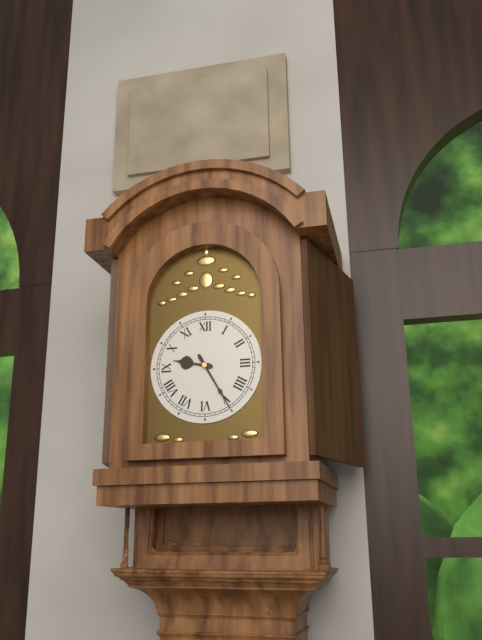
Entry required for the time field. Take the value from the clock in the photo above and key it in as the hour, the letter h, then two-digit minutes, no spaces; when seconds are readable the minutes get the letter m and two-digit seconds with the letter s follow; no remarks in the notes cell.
9h25
